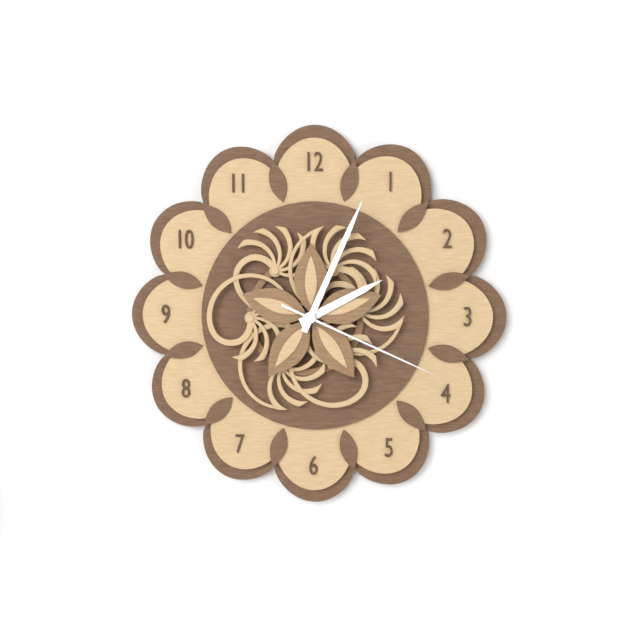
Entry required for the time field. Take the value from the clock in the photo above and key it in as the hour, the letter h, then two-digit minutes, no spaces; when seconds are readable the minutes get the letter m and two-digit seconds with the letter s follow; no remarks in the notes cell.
2h04m19s
